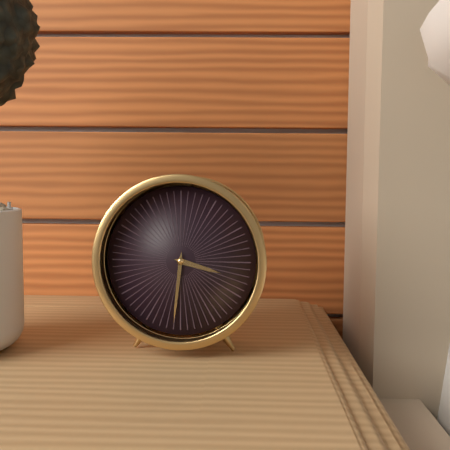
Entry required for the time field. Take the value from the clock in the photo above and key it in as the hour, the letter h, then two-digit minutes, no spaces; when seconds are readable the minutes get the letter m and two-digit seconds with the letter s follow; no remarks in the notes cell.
3h31
